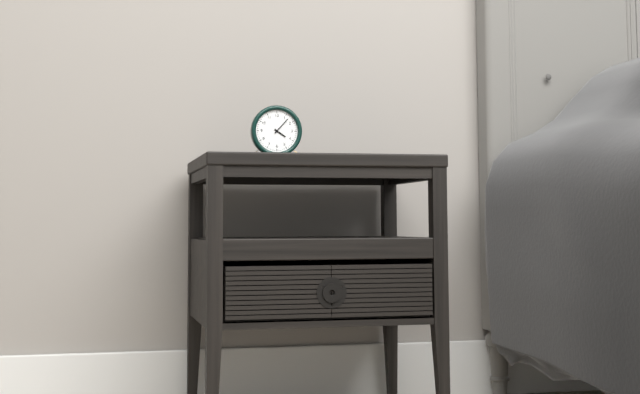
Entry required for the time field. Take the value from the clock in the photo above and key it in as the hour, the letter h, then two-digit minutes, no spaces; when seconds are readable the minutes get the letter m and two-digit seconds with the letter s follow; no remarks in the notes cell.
4h07
